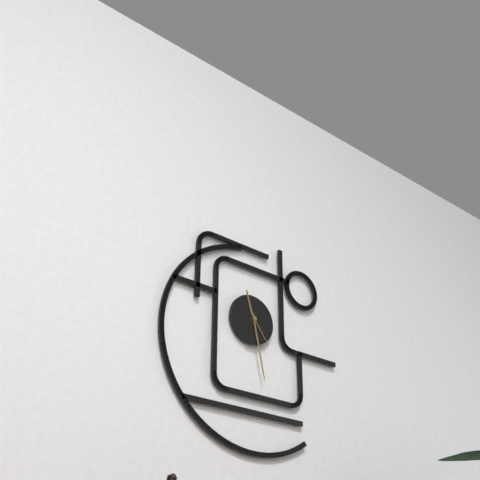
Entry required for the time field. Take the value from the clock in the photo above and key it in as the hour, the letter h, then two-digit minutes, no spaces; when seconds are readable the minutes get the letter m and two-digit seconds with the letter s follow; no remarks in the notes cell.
11h28
